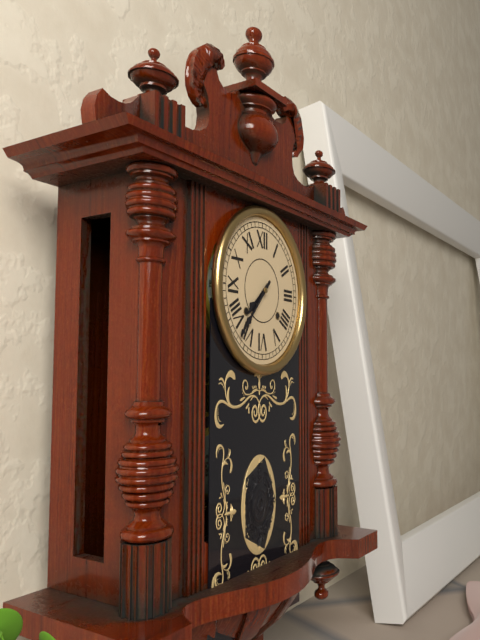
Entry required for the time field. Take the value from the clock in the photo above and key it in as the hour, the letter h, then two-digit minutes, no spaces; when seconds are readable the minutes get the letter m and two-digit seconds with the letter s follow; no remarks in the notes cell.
7h37
